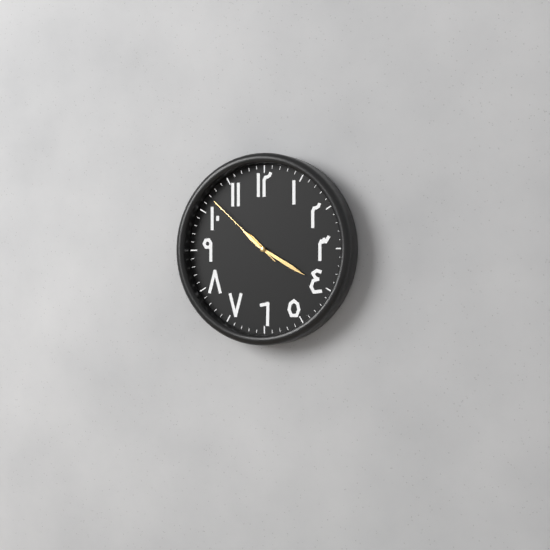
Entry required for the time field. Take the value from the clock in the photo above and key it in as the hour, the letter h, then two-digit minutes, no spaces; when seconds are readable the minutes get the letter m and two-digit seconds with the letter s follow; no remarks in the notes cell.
10h20m52s
